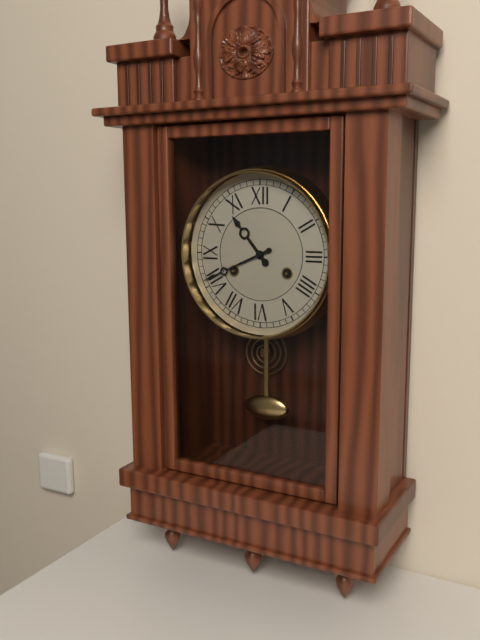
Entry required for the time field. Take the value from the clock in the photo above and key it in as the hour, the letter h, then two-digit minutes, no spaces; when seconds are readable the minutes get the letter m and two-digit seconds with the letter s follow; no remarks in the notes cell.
10h41
